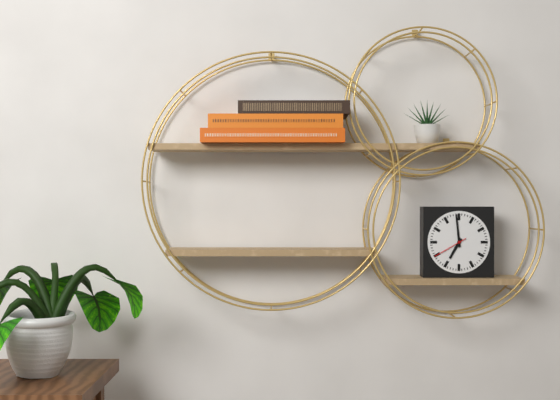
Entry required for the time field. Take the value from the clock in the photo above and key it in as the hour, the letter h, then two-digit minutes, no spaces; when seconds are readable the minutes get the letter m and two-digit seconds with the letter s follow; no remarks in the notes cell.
6h59
